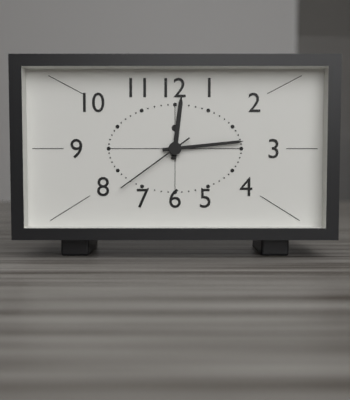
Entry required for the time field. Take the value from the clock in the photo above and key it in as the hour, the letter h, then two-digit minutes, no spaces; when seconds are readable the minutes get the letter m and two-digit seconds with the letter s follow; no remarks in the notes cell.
12h14m39s
